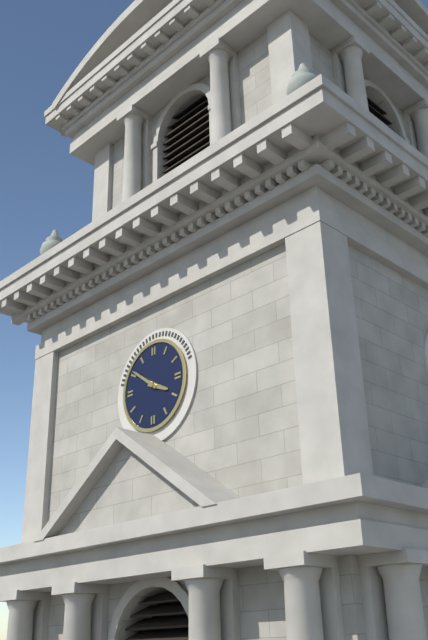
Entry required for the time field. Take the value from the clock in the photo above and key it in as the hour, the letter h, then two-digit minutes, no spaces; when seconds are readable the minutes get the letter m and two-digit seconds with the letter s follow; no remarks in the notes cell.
3h51
